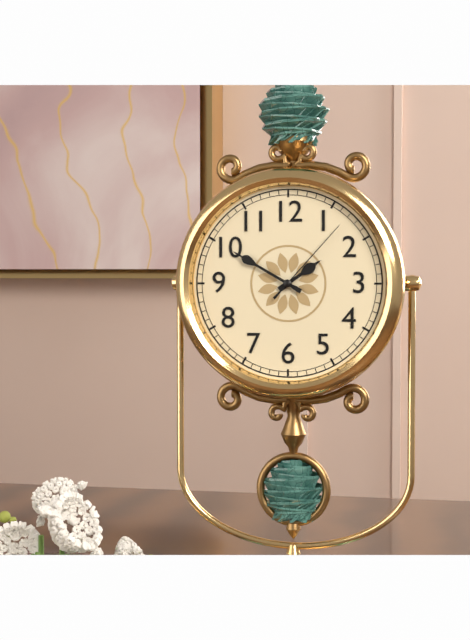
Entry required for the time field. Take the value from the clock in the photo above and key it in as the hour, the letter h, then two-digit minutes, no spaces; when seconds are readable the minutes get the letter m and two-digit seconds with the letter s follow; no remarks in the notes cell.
1h50m07s
